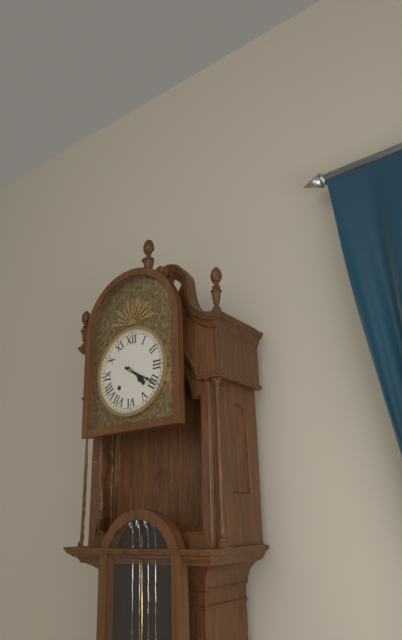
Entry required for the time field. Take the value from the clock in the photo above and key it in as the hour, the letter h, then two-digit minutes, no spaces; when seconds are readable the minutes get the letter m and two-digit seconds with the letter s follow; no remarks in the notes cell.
4h20
